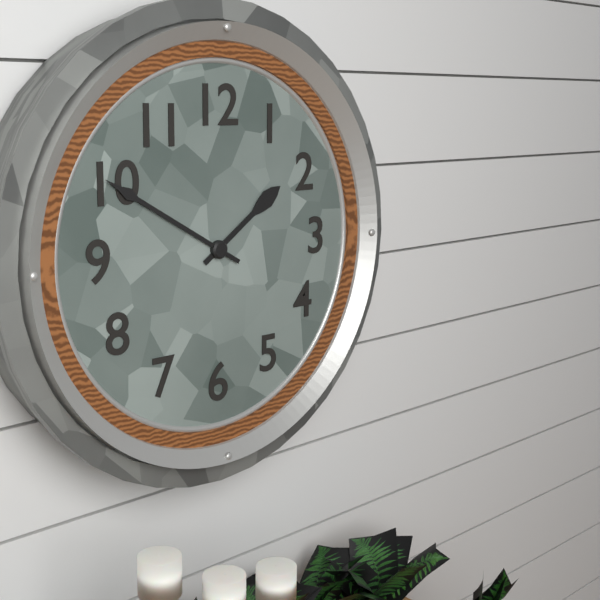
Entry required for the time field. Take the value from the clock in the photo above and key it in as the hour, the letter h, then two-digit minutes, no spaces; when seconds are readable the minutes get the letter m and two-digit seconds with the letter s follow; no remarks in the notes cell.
1h50
